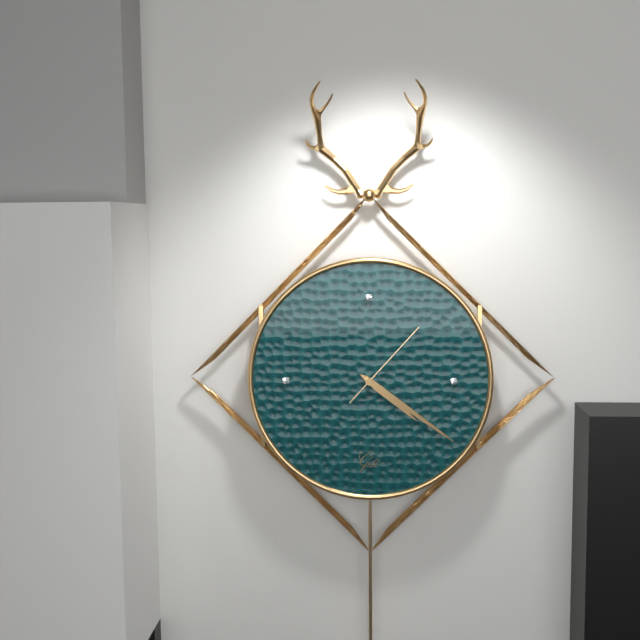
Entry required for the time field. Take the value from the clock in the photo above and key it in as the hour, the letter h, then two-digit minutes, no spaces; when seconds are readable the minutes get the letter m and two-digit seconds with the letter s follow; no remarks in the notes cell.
4h21m07s
